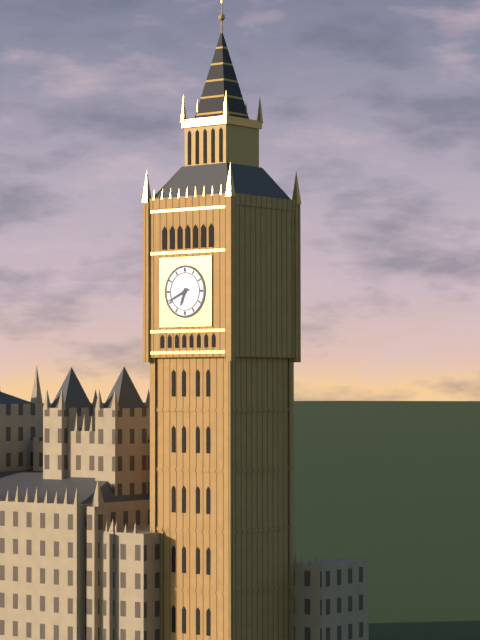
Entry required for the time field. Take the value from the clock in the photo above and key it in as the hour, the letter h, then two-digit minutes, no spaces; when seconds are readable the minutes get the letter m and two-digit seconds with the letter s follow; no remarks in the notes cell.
6h41
